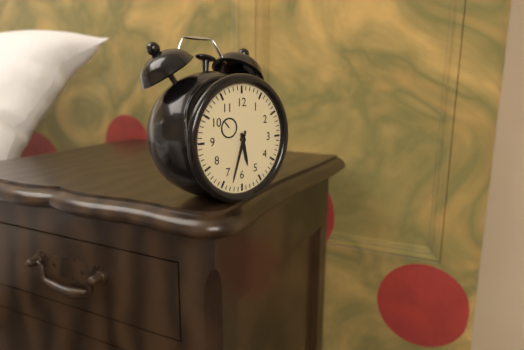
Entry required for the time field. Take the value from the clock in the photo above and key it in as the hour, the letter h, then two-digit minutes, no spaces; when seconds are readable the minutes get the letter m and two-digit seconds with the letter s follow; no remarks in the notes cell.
5h33
